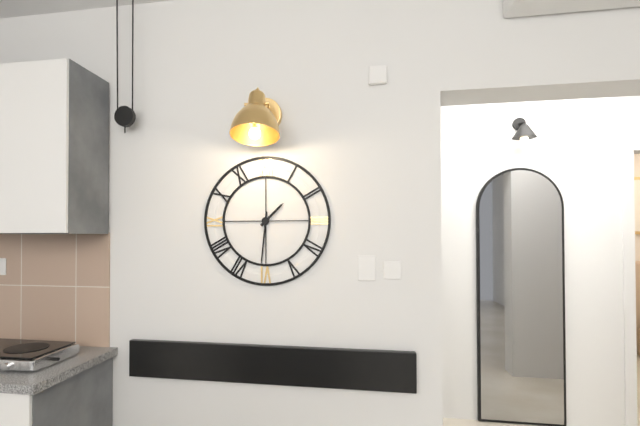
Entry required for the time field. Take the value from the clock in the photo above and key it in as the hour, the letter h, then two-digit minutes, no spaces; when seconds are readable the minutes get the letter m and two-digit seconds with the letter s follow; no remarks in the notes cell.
1h31
